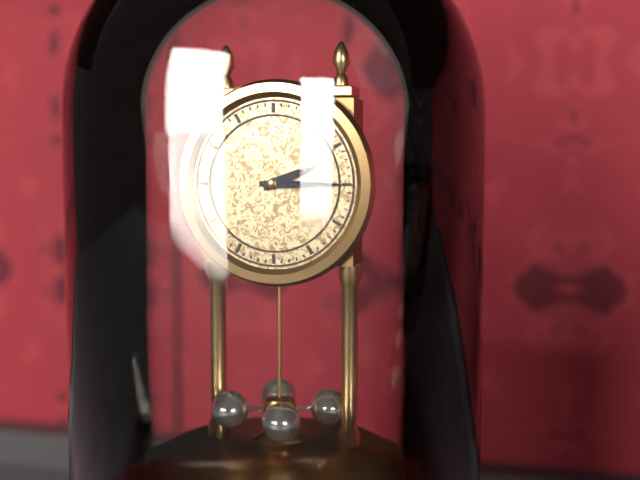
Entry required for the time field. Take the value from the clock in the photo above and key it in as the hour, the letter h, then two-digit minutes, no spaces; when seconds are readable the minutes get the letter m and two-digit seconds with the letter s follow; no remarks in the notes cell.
2h15
